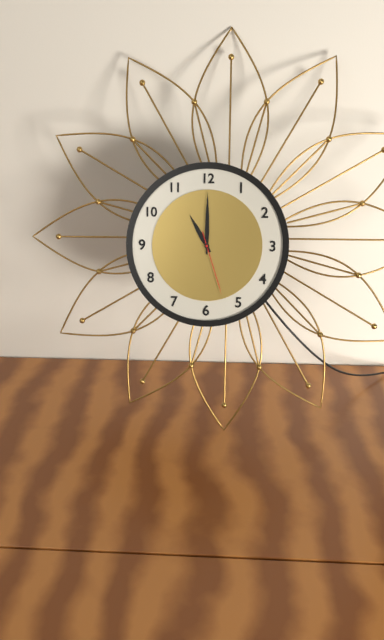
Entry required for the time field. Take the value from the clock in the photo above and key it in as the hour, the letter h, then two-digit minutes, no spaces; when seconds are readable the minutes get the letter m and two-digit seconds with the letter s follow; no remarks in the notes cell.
11h00m27s
